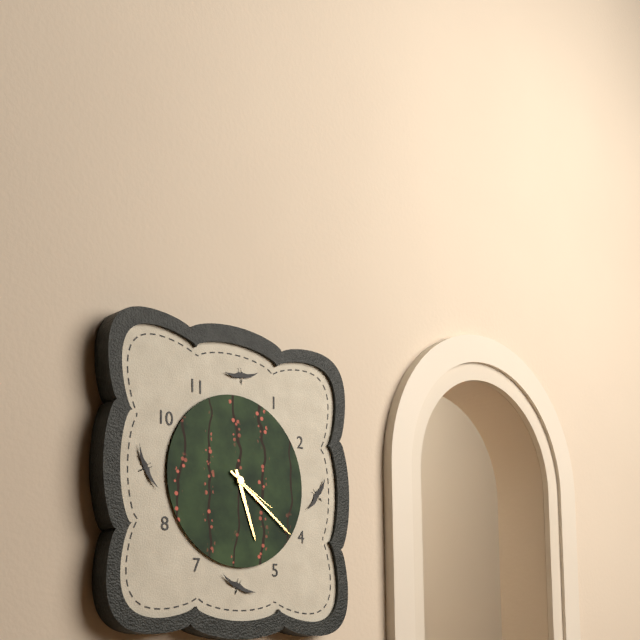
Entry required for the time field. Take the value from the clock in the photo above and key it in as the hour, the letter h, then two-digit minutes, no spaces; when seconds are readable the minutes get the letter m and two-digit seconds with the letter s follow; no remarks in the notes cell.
5h21m20s
